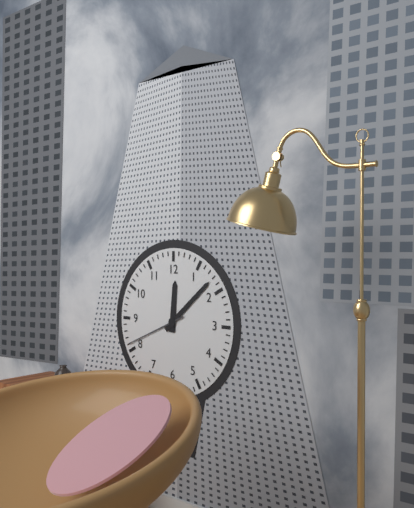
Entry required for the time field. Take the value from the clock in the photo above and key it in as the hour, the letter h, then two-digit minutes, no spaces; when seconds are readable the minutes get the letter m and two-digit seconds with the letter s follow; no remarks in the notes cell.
12h08m41s
